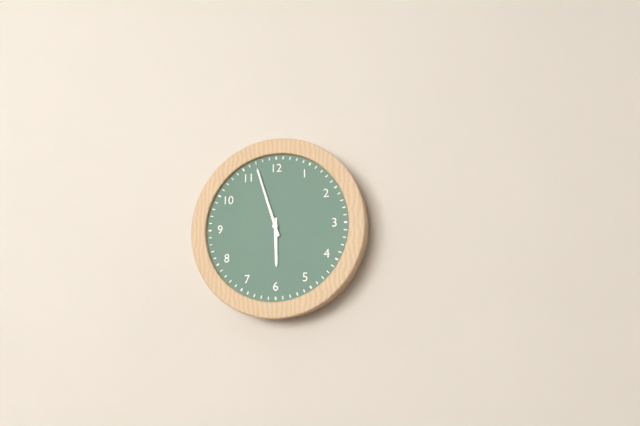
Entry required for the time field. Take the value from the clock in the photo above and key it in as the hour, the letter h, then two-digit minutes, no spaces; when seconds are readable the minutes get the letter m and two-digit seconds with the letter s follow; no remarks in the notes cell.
5h57
